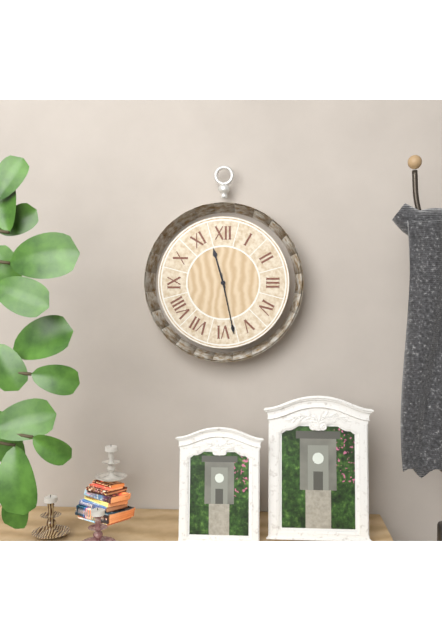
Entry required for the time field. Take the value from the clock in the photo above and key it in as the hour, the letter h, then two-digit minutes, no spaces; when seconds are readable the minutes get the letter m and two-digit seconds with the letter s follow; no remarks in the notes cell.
11h28
